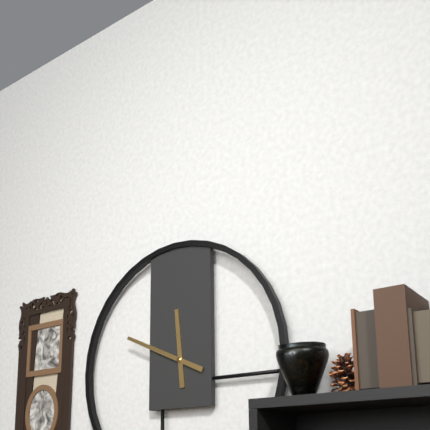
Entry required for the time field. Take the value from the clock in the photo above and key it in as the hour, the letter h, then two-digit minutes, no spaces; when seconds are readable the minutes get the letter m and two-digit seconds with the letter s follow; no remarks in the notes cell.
11h49
